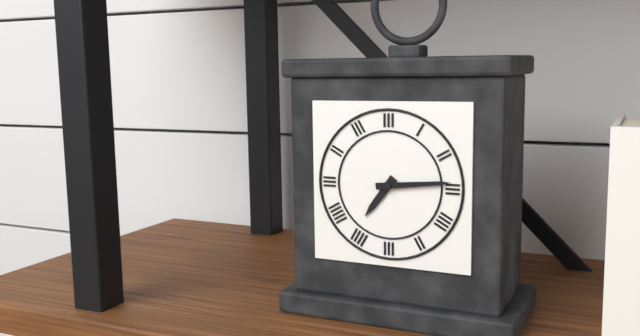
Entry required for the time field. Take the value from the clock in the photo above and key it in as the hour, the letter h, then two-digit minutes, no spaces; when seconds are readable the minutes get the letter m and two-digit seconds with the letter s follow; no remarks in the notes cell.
7h14
